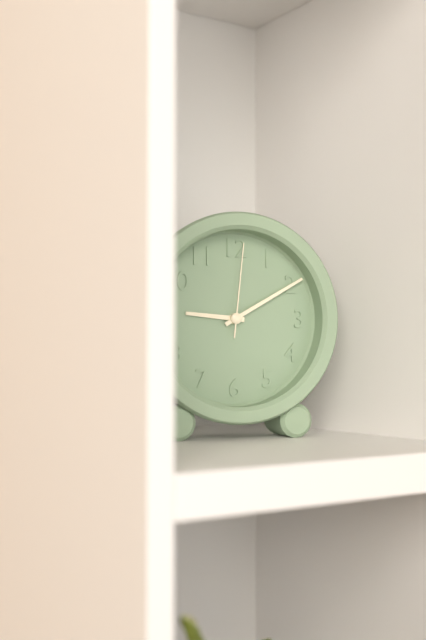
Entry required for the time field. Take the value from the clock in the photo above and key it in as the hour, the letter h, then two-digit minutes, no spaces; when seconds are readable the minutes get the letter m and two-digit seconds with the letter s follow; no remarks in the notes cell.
9h10m01s
